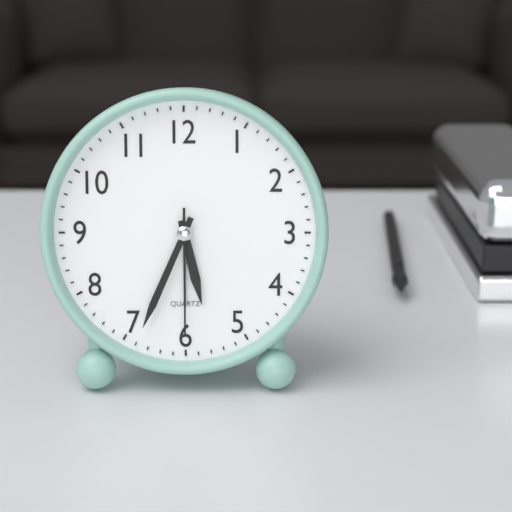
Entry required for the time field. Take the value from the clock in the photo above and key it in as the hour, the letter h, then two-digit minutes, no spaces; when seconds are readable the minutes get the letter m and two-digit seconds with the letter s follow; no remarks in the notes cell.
5h34m30s
